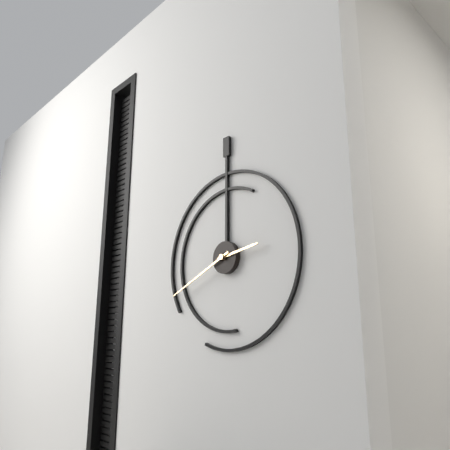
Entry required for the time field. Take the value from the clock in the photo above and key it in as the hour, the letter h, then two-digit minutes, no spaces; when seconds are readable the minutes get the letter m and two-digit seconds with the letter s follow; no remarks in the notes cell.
2h41
